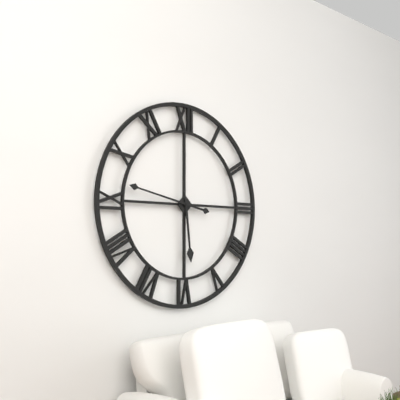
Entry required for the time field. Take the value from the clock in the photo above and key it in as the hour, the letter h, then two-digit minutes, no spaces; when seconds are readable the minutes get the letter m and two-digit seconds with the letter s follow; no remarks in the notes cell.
5h47
